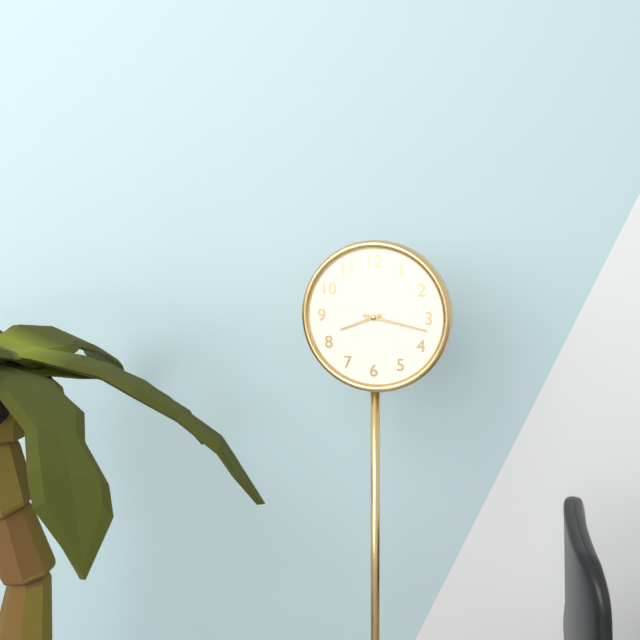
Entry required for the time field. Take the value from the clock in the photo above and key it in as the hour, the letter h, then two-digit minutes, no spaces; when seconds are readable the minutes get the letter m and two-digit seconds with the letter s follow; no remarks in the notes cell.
8h17
